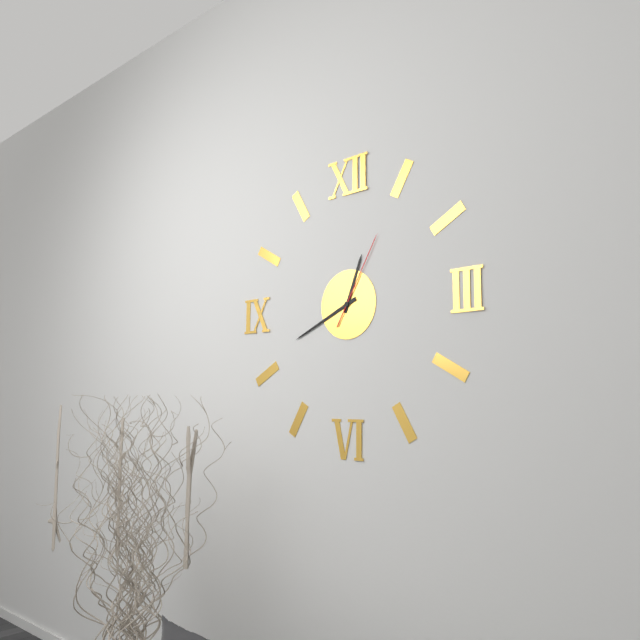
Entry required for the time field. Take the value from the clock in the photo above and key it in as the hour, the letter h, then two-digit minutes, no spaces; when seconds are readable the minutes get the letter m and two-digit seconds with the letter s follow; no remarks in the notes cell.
12h41m05s
